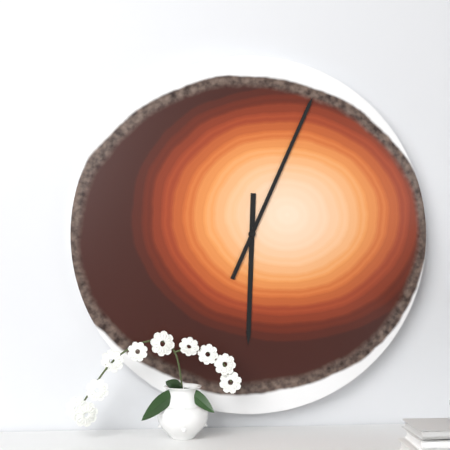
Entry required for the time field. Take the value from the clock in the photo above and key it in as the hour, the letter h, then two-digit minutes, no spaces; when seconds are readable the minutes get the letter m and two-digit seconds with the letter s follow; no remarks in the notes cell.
6h04
